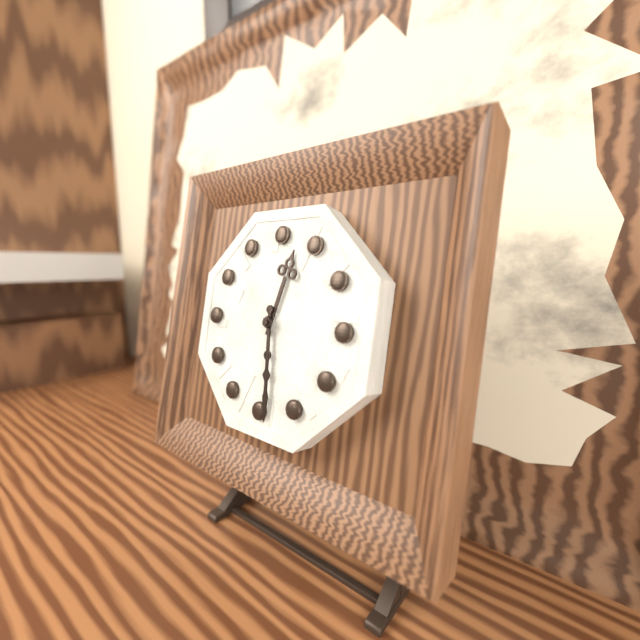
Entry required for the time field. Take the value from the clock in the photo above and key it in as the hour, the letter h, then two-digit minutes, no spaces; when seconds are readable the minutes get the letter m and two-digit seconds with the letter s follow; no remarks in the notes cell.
12h29
